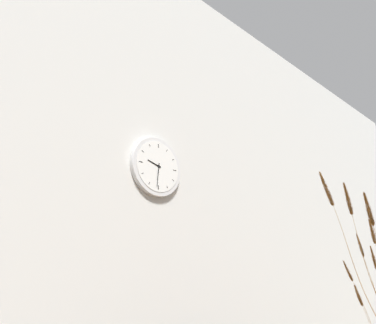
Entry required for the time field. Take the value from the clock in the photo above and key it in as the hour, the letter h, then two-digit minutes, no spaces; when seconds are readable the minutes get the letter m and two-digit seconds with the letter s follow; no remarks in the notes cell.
9h31
